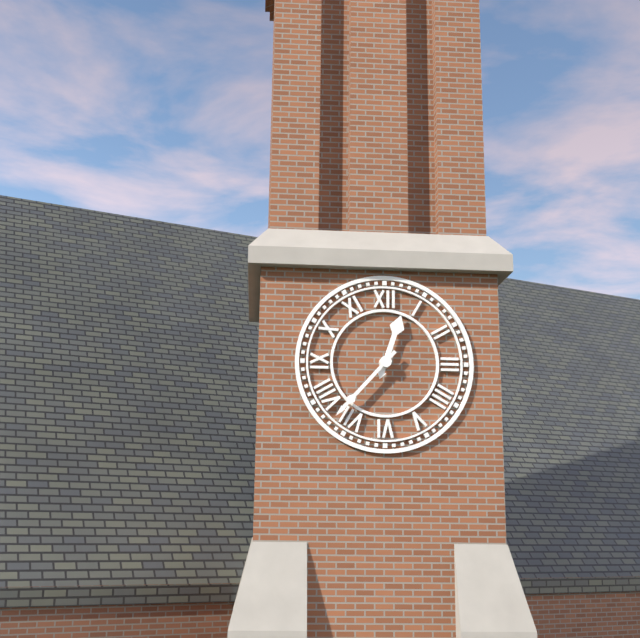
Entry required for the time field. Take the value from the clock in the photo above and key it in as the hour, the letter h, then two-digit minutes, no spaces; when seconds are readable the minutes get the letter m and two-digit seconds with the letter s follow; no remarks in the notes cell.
12h37
